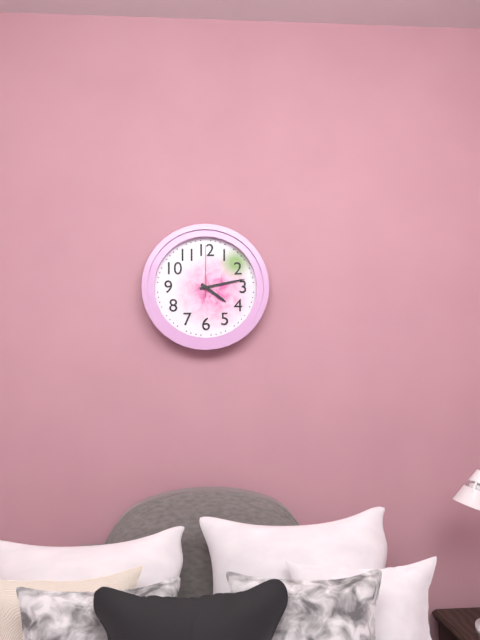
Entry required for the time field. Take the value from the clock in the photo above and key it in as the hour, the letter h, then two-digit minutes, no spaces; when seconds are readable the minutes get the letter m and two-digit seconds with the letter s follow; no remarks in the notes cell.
4h13m00s
